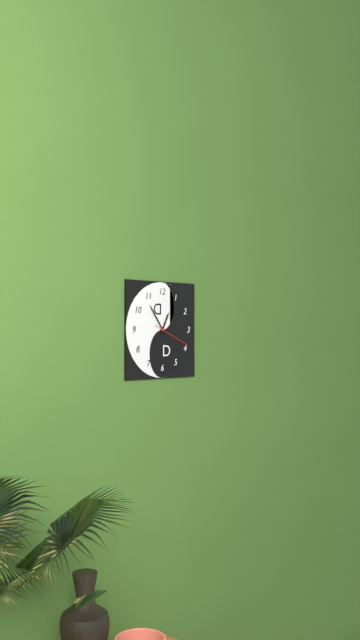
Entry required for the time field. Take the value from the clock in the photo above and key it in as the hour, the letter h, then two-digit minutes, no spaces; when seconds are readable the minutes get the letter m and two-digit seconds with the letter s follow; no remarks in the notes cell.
12h54
